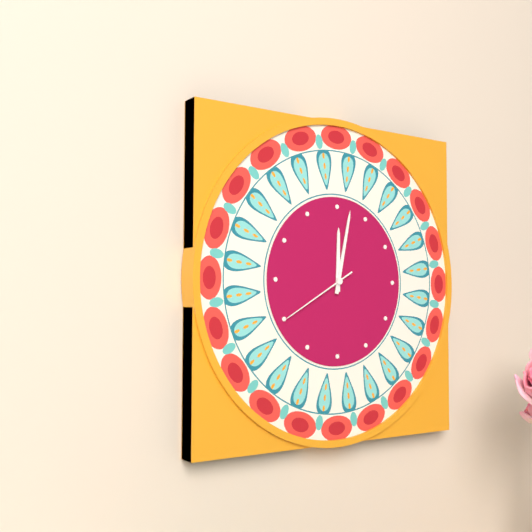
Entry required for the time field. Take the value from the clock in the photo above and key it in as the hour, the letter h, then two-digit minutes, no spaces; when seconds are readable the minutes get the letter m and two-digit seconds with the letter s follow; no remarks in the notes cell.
12h02m40s
